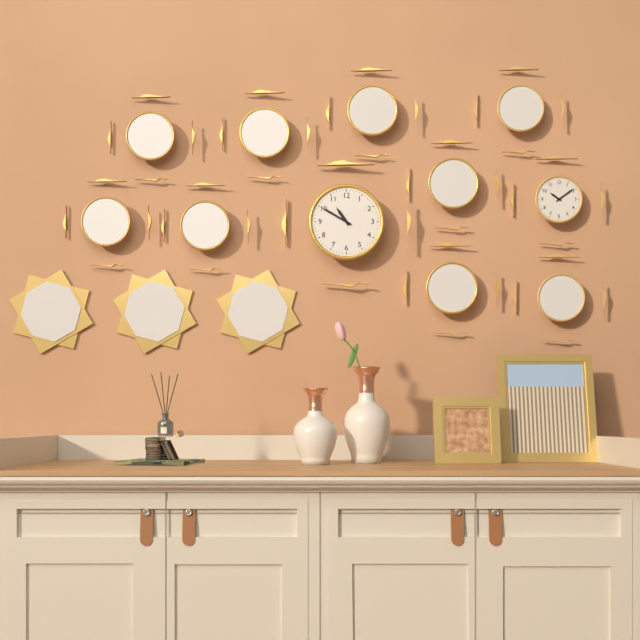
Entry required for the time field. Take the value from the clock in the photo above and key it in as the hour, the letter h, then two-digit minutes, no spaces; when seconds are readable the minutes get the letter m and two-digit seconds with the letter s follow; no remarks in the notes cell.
10h50
